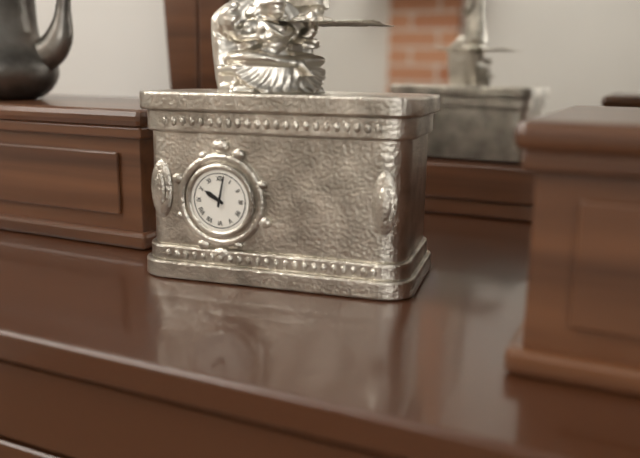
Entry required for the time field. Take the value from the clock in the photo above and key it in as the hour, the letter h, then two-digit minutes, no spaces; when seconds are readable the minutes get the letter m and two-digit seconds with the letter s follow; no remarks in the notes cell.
10h02
